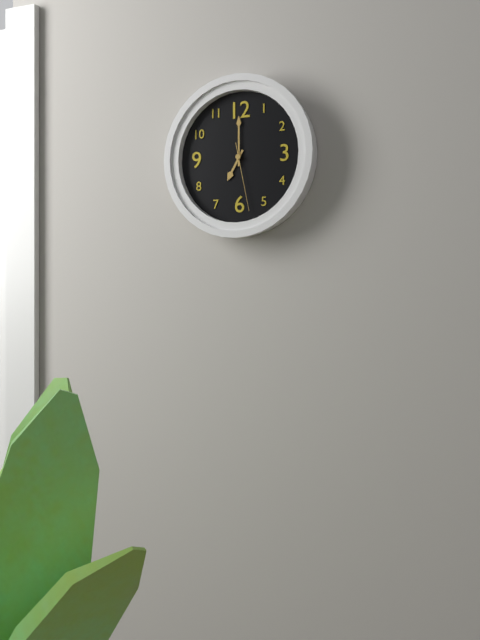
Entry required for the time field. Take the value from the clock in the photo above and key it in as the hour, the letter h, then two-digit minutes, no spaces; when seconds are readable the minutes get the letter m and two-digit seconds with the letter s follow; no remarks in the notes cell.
7h00m28s
